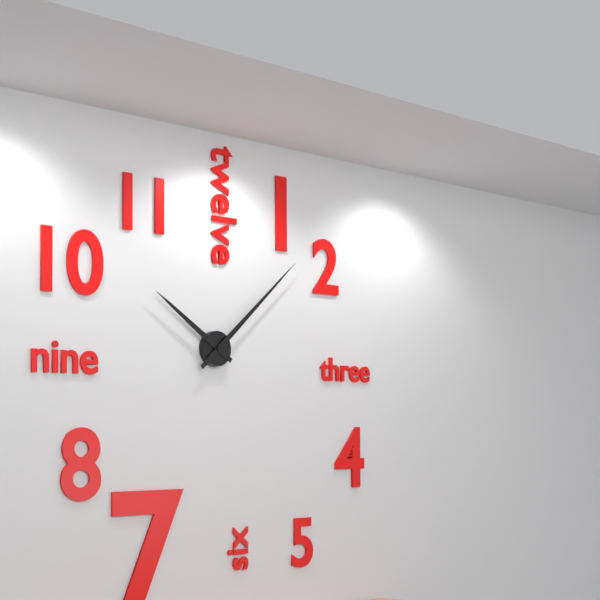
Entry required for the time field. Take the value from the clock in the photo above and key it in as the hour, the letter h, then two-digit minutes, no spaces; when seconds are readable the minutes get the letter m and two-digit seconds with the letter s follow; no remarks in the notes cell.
10h08
